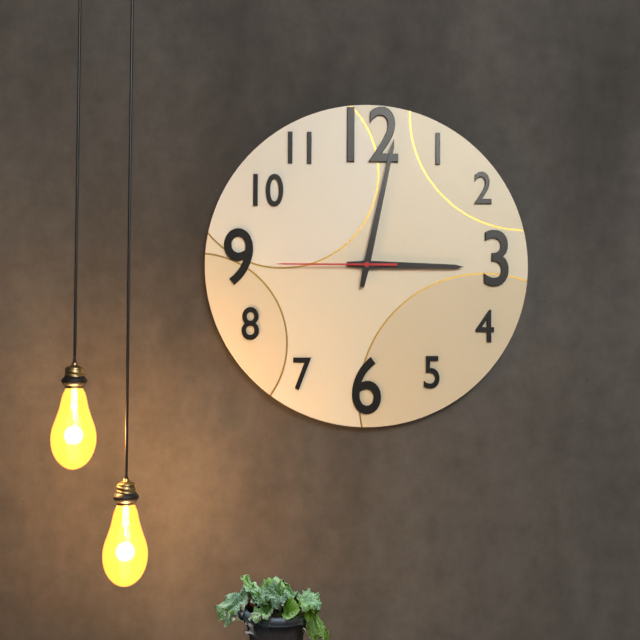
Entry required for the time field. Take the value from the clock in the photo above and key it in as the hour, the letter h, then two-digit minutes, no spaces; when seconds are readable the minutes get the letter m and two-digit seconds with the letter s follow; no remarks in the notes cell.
3h02m45s
